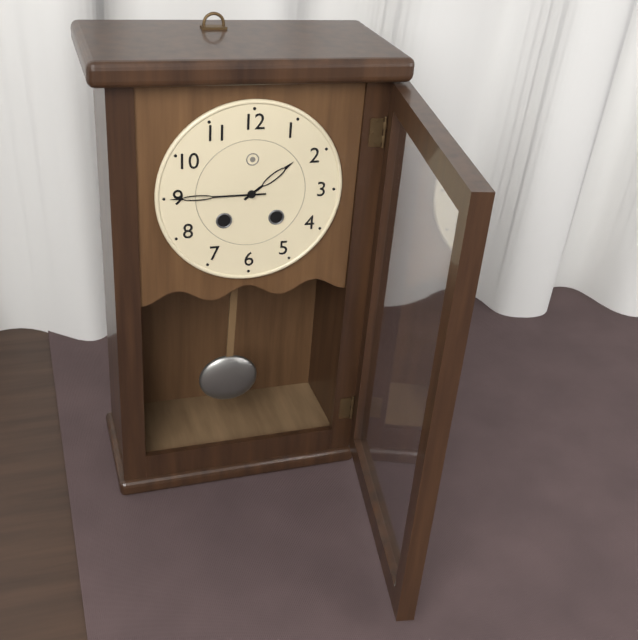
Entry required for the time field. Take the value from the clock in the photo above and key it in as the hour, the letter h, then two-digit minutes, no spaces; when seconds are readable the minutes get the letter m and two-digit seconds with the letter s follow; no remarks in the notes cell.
1h45
